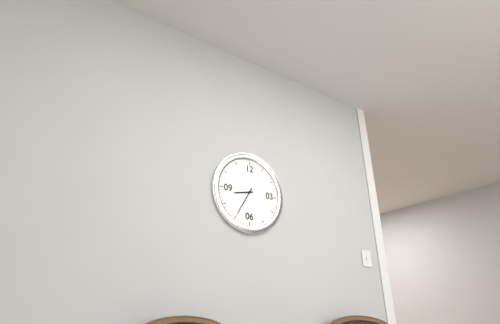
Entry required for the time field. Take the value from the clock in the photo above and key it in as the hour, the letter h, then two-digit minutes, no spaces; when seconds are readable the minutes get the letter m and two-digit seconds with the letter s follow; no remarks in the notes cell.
8h35
